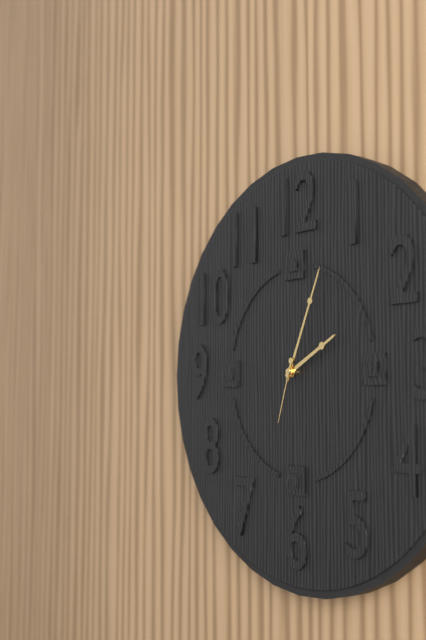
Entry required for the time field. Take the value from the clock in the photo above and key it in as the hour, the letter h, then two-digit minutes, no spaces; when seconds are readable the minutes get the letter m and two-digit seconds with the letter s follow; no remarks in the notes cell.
2h04m33s
